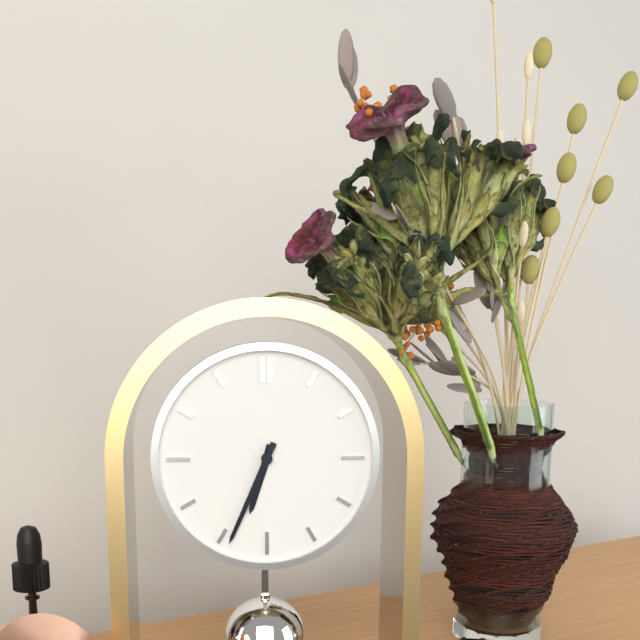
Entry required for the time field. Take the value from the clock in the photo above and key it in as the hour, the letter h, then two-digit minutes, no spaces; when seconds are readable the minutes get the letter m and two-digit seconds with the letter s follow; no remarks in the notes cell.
6h34
